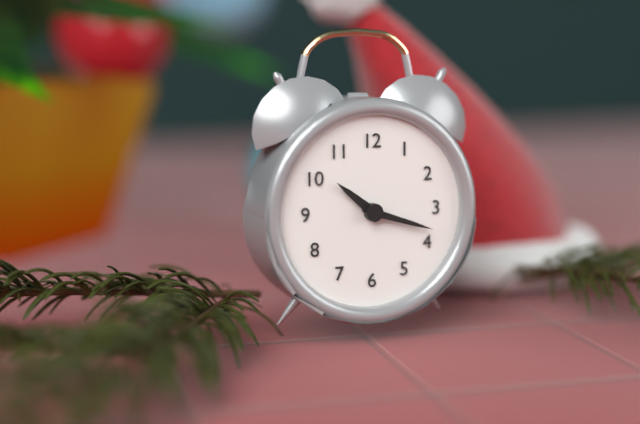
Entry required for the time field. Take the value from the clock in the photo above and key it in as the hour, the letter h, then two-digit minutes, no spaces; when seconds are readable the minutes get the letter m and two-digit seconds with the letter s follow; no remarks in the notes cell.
10h18
